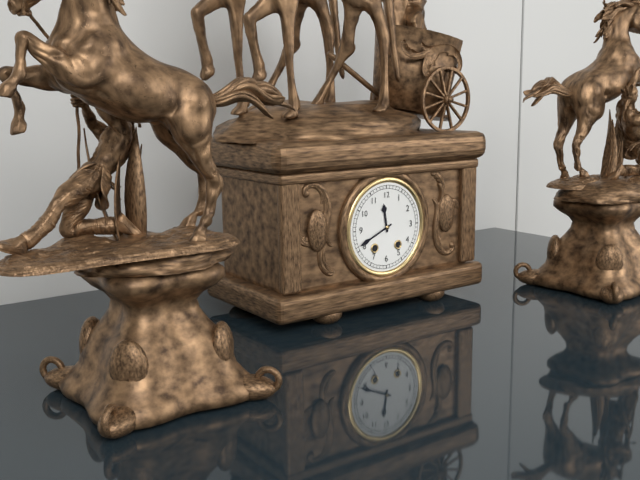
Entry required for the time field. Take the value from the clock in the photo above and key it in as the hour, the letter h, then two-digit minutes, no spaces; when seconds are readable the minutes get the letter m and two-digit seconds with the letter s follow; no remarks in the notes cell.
11h41
